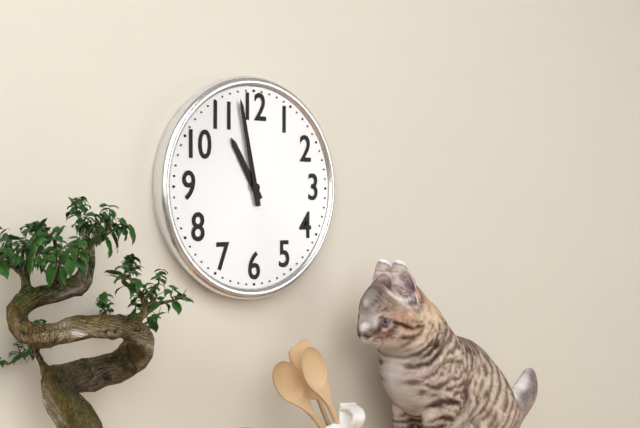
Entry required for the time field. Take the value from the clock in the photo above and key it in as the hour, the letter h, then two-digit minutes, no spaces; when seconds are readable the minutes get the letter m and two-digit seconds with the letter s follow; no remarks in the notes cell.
10h58
